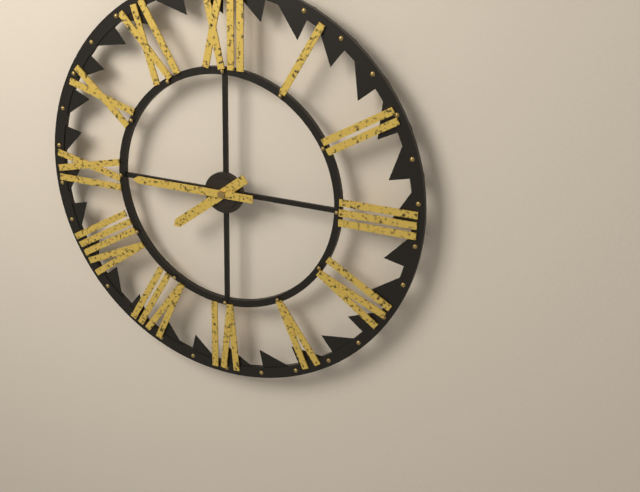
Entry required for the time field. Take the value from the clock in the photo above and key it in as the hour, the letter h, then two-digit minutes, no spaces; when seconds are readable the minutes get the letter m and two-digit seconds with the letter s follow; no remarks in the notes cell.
7h45
